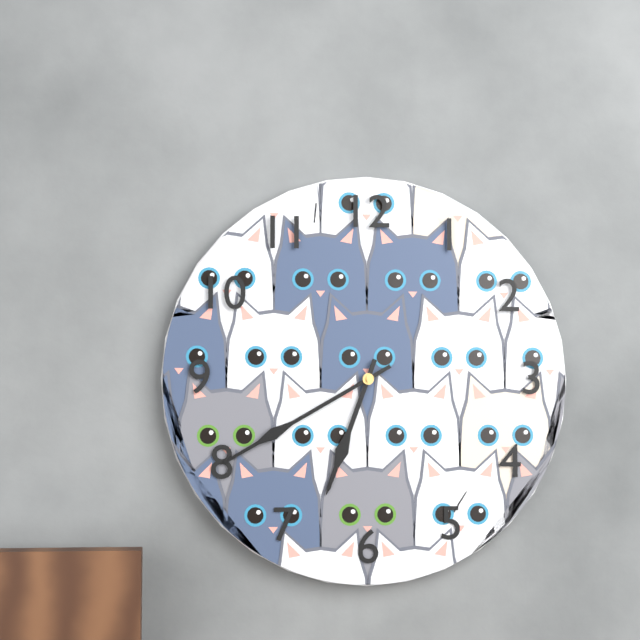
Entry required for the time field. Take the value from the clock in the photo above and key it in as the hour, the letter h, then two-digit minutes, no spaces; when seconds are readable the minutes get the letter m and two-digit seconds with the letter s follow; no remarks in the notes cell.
6h40
